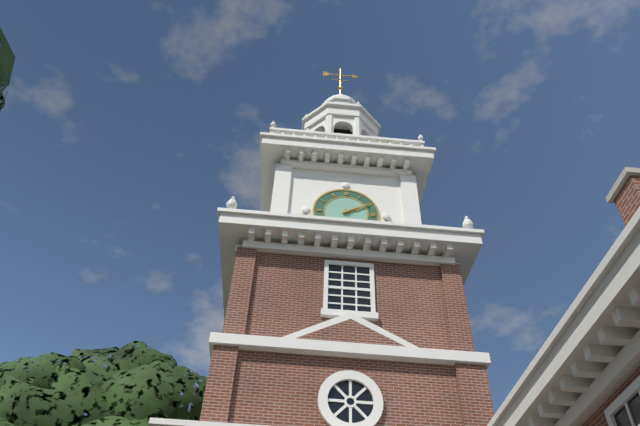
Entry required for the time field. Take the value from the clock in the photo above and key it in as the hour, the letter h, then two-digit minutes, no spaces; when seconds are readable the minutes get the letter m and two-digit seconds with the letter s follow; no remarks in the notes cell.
2h10
